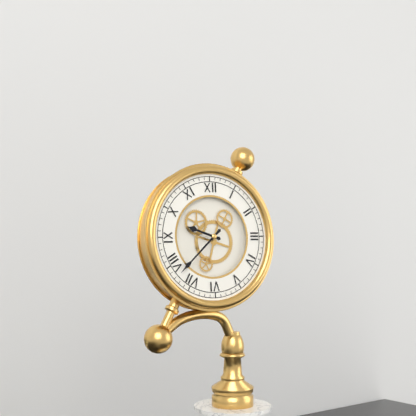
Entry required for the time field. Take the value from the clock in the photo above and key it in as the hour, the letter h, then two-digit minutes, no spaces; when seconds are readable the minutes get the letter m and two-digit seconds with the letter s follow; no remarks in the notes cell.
9h38
